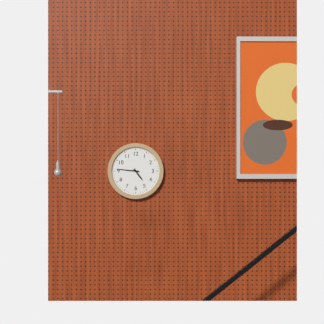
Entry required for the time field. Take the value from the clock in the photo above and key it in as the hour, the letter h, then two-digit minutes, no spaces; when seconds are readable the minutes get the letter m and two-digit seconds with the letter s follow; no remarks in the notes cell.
4h46
